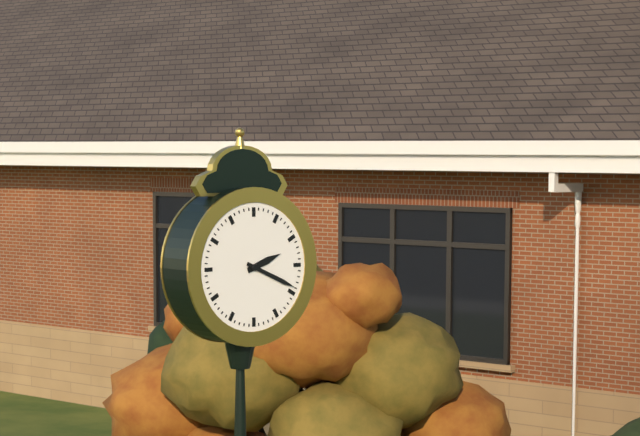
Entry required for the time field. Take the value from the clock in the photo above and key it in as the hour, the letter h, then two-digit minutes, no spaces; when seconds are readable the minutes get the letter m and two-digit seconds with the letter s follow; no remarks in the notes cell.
2h19
